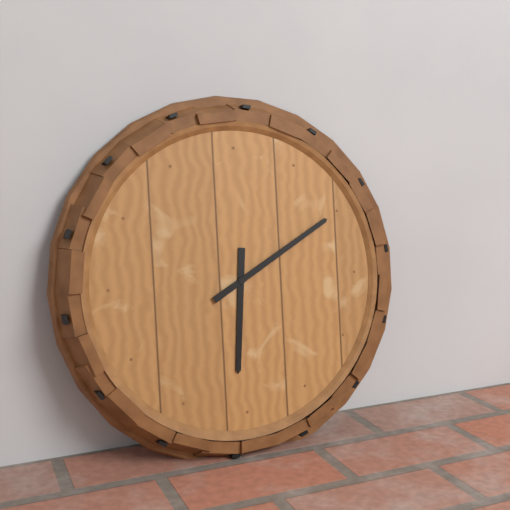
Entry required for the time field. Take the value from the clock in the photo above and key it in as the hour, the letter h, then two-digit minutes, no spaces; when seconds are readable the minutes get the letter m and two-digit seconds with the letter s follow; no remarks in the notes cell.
6h10
